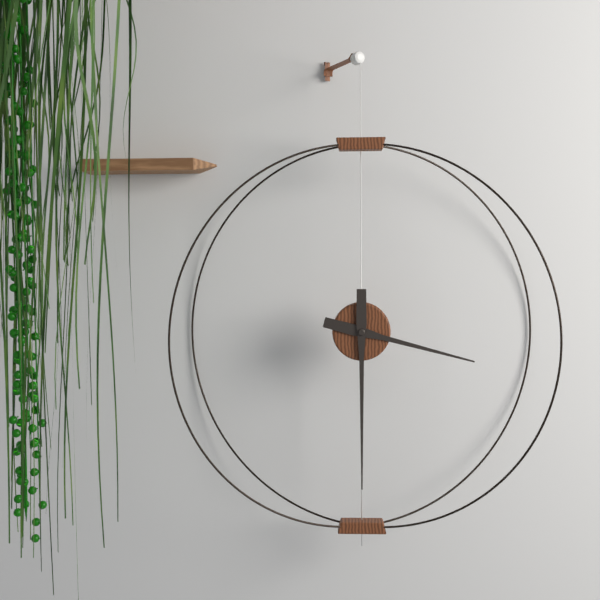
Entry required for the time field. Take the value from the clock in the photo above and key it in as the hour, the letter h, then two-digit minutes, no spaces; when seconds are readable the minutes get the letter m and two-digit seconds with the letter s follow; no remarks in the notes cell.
3h30
